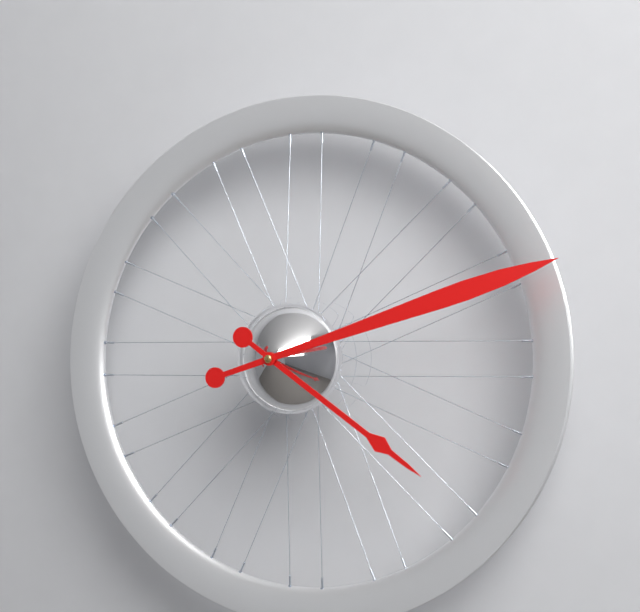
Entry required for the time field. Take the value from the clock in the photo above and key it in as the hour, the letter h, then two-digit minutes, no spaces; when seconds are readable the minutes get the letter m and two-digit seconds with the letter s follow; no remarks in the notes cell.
4h12
